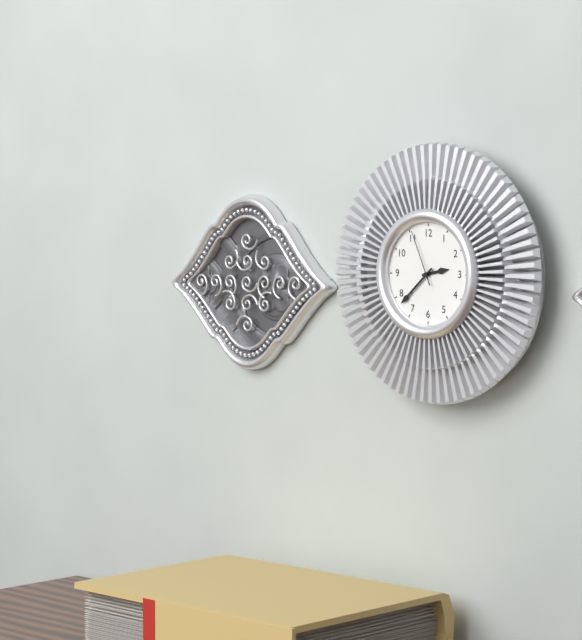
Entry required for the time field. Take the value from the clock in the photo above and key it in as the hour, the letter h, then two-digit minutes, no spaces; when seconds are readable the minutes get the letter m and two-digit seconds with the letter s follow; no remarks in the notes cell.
2h38m56s
